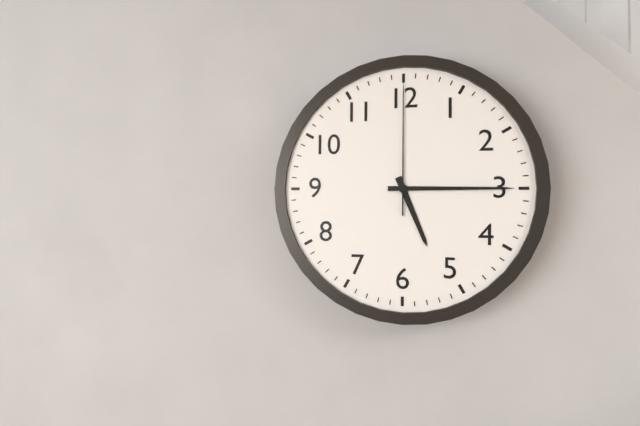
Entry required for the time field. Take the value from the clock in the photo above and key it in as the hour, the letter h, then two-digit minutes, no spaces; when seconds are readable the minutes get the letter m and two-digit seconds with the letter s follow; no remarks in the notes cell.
5h15m00s
